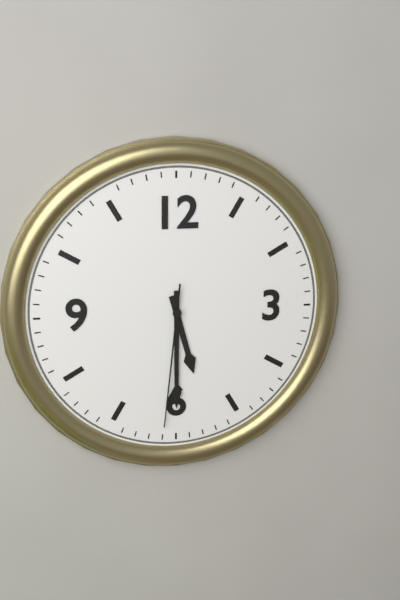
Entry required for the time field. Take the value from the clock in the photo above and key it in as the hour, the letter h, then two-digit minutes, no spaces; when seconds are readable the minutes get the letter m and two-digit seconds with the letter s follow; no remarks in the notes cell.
5h30m31s
